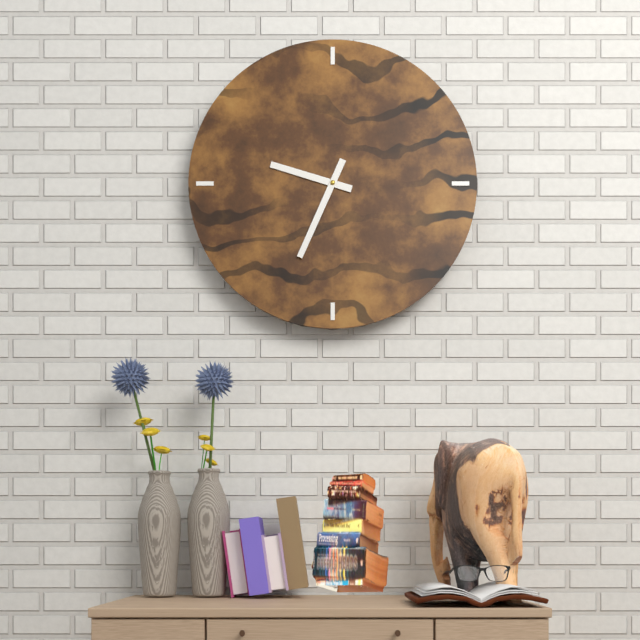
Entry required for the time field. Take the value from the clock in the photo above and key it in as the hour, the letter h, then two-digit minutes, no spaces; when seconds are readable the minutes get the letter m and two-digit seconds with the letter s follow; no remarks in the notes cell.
9h34
